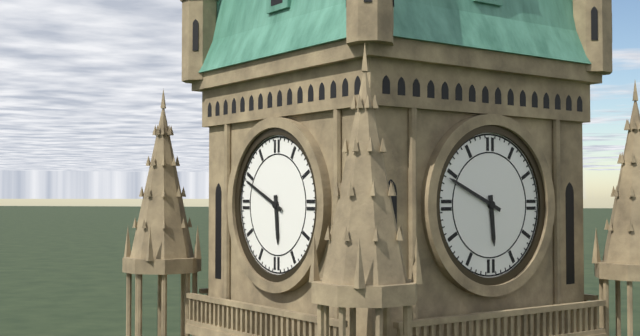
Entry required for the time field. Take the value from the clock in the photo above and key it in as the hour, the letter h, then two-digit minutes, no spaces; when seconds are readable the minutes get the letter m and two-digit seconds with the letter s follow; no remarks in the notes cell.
5h49
